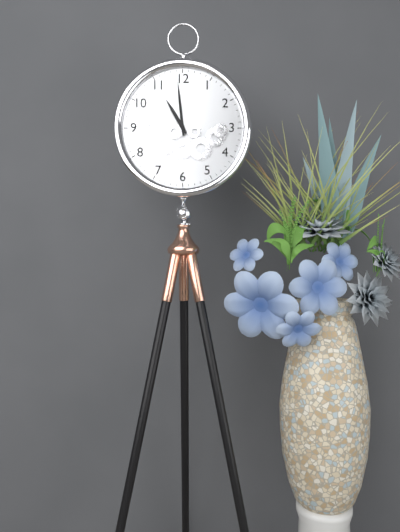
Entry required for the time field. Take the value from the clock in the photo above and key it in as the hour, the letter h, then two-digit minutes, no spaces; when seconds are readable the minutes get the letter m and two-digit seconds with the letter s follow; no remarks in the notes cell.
10h59
